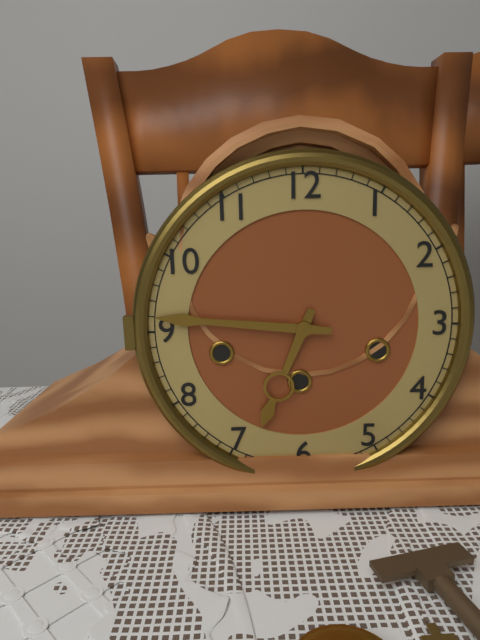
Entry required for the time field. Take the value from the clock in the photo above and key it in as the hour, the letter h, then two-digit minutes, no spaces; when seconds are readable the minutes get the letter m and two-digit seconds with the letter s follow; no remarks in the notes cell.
6h46
